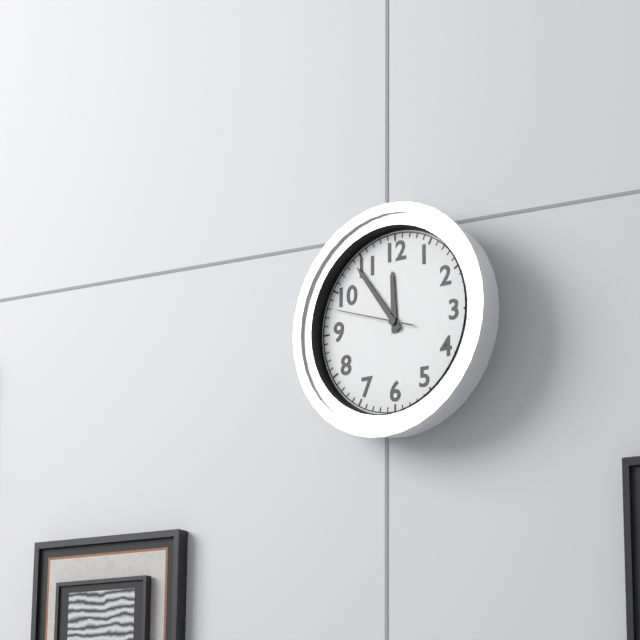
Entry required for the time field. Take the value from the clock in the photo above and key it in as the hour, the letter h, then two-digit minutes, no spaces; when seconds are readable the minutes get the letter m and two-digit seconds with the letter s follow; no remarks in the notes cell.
11h54m48s
